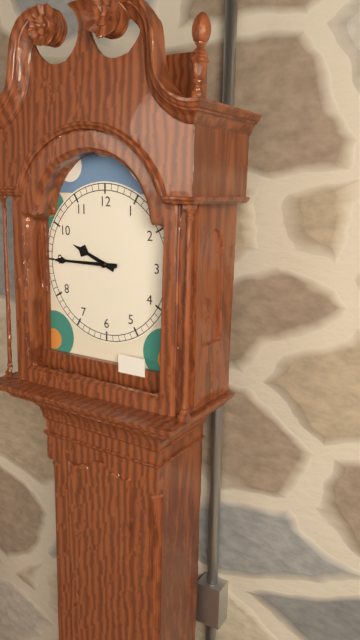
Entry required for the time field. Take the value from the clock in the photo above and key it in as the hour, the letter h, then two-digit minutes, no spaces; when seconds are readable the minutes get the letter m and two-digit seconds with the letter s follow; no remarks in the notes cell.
9h45
